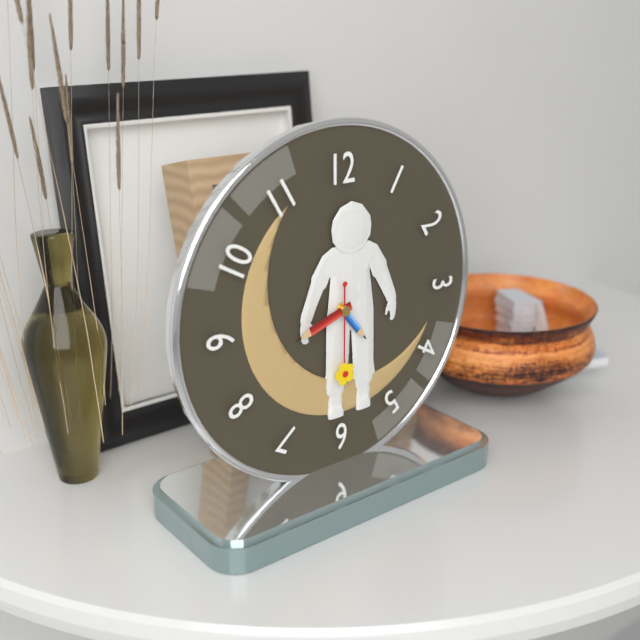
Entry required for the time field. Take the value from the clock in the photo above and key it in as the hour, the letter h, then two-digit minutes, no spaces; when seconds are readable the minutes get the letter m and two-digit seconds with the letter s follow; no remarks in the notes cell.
4h42m30s
